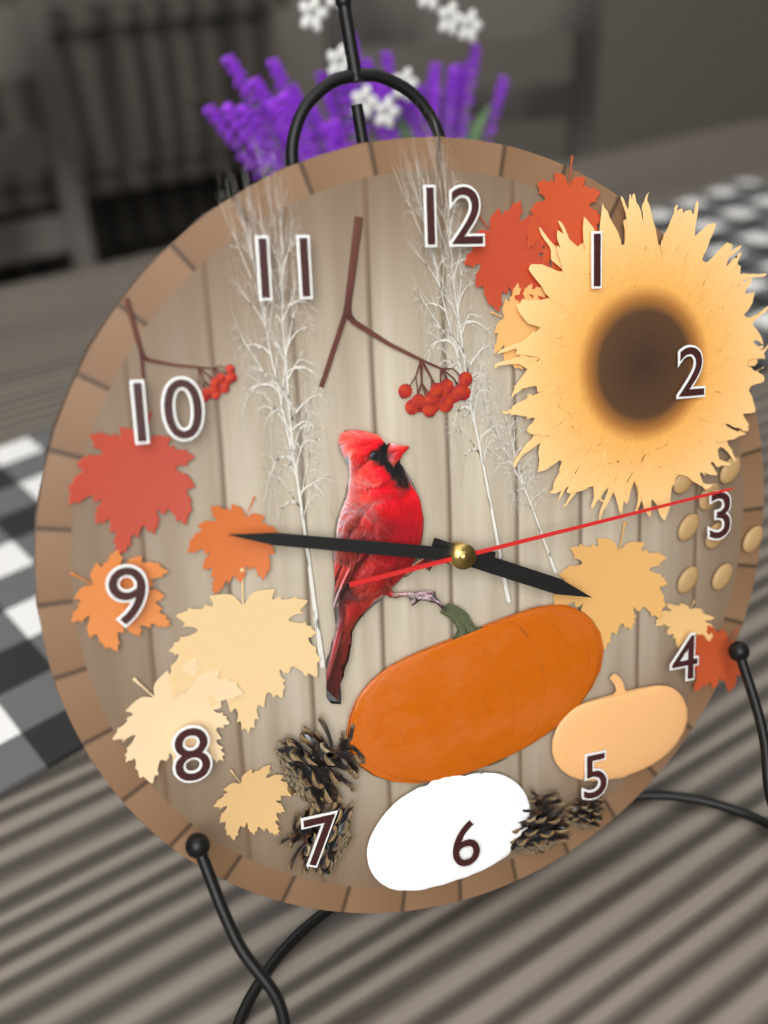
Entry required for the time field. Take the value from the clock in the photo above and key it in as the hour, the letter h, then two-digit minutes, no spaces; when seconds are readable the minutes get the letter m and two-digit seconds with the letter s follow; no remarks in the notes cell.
3h47m14s
